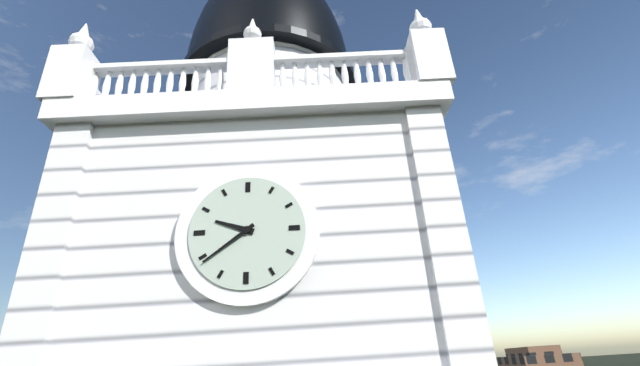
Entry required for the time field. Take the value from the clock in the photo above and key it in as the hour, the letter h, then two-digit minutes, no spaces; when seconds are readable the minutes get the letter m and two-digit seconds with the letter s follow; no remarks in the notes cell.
9h39
